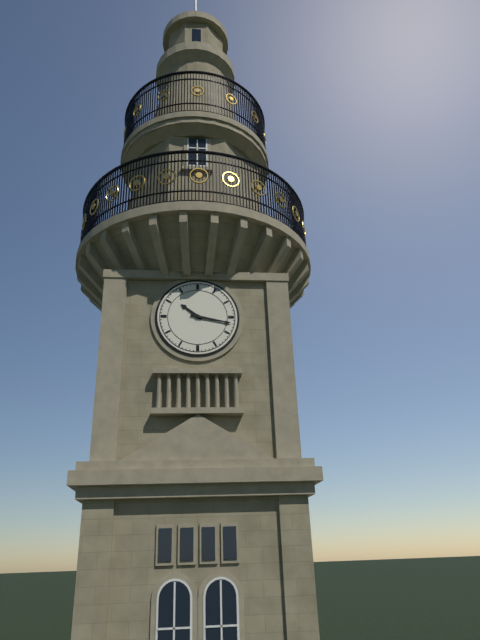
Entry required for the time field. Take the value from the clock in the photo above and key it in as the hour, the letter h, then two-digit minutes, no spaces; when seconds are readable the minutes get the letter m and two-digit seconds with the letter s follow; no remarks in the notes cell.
10h17
